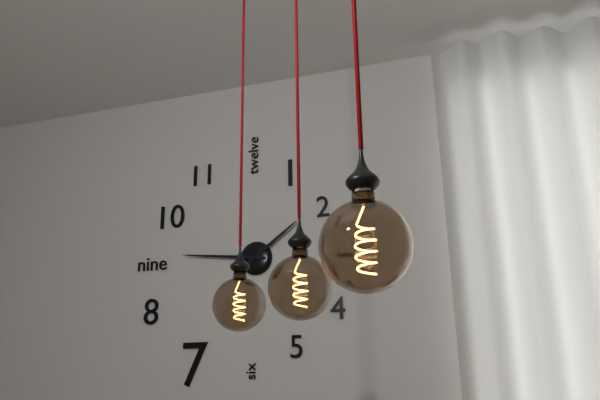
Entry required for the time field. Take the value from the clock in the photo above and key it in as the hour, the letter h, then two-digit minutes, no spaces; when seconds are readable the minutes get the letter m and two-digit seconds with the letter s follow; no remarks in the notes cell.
1h46
